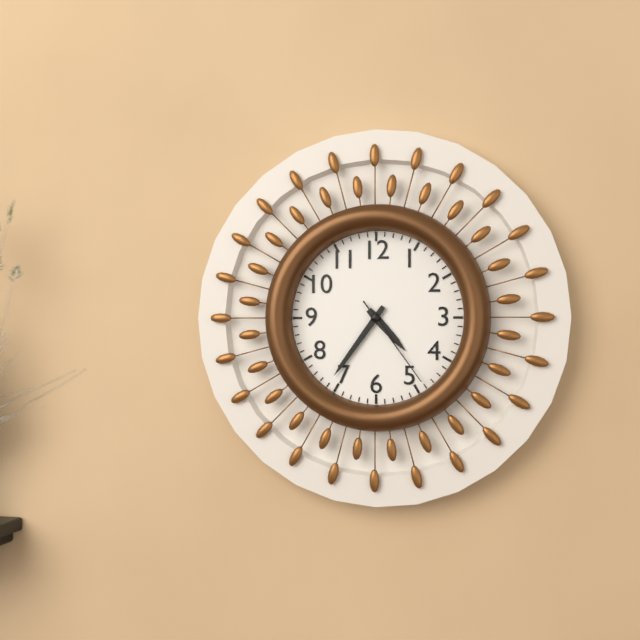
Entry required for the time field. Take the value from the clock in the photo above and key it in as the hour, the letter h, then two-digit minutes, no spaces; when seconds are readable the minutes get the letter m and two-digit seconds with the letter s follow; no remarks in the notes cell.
4h36m24s
